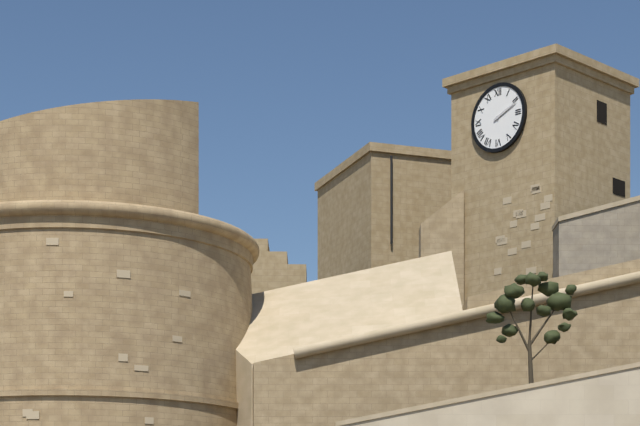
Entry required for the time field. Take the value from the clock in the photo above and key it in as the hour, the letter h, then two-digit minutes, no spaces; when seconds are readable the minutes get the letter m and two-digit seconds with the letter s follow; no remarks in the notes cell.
2h11
